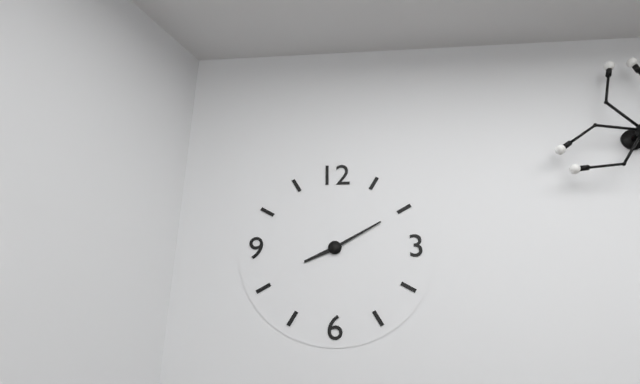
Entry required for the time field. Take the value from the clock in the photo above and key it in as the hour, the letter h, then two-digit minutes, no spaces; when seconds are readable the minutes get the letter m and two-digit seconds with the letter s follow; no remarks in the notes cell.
8h10
